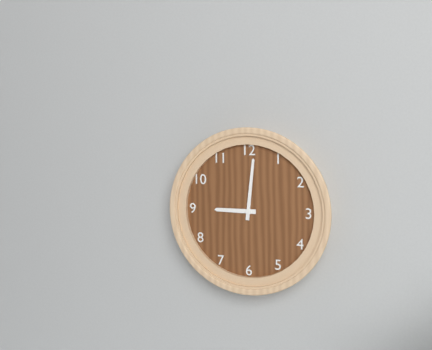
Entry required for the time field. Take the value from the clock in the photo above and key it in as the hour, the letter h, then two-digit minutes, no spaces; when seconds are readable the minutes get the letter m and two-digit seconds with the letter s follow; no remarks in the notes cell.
9h01
